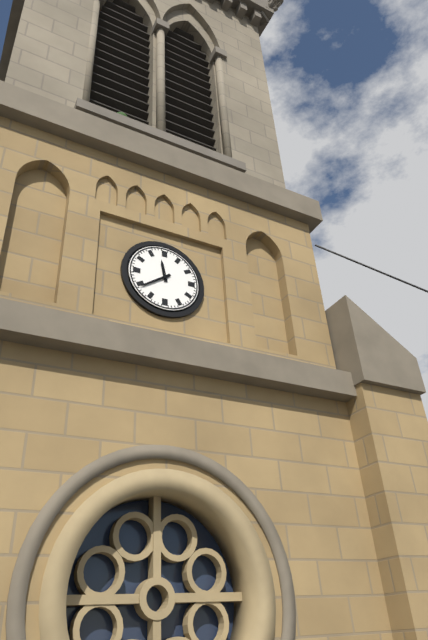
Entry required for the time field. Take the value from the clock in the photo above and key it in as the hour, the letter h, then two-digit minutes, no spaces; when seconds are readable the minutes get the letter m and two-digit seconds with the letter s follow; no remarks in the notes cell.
11h39
